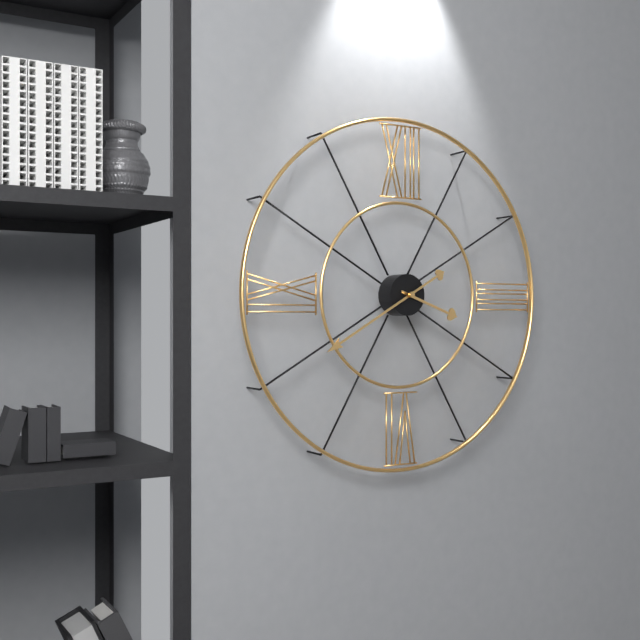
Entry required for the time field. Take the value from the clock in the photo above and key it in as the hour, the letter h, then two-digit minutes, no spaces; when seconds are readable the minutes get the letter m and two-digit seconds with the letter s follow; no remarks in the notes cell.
3h40
